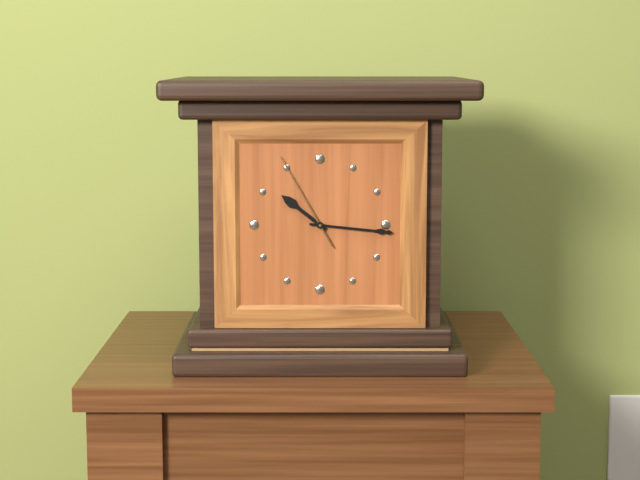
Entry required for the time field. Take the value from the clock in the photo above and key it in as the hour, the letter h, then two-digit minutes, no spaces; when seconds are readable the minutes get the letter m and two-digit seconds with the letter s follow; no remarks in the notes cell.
10h16m55s
